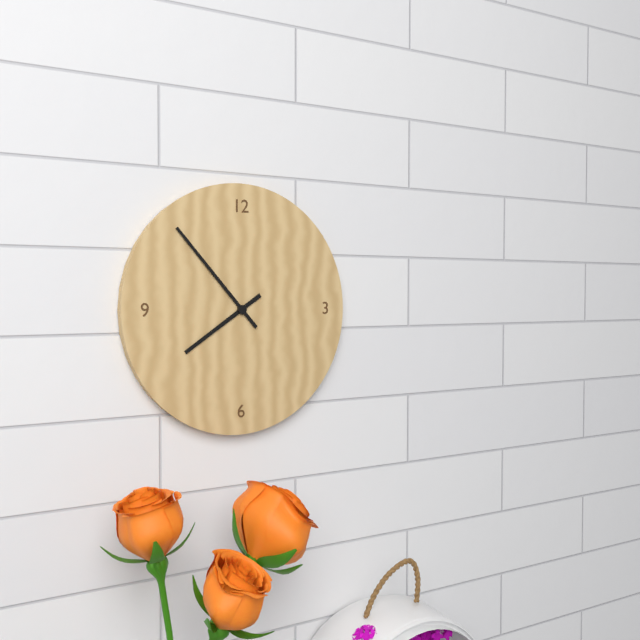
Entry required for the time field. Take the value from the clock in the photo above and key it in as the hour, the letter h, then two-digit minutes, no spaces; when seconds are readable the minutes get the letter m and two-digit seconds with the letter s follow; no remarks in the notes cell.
7h53
